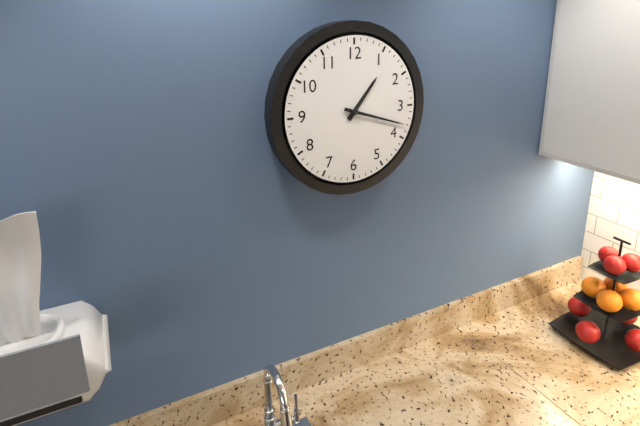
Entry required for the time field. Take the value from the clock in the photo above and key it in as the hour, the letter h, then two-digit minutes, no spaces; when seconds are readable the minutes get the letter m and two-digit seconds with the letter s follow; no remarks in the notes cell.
1h18
